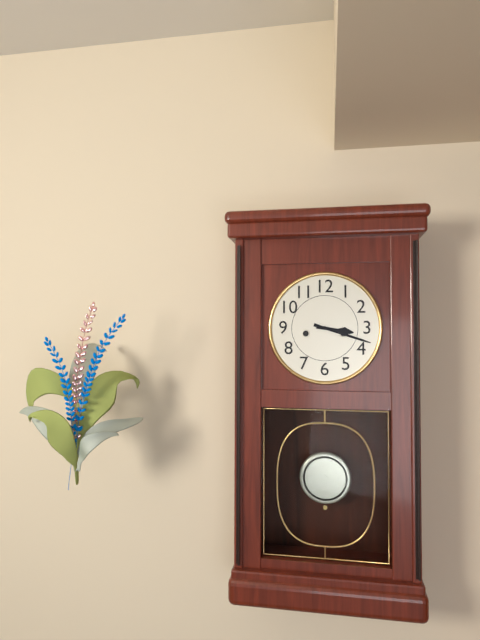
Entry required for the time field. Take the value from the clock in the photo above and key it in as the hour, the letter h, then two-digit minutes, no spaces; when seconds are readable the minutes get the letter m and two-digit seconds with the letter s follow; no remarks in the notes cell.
3h18
